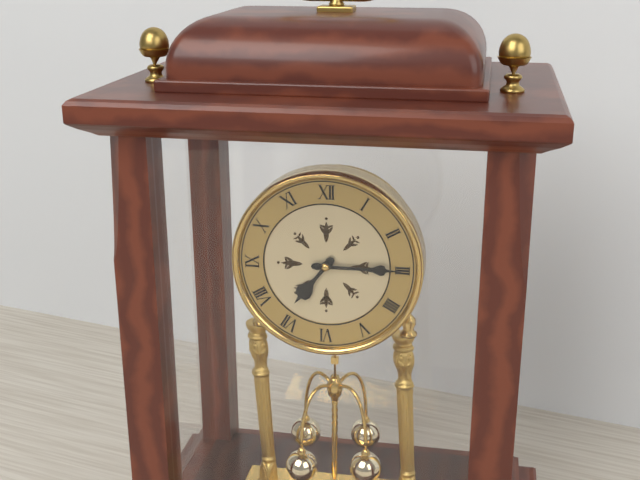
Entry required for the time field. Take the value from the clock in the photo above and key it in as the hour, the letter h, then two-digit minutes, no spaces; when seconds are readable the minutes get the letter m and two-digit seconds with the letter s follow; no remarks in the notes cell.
7h15
